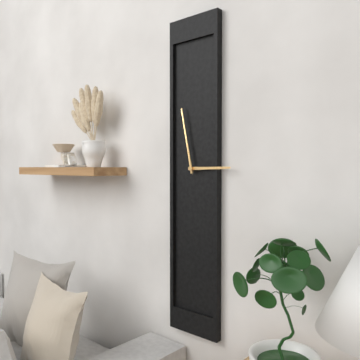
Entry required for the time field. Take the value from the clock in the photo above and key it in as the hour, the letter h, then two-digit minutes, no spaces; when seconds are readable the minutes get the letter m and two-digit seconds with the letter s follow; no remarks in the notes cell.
2h58
